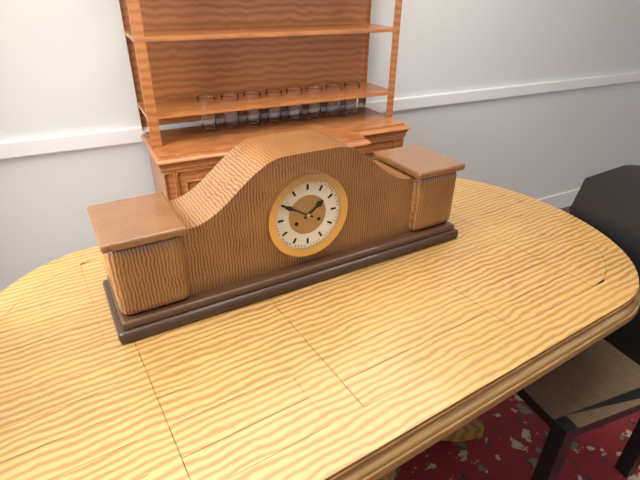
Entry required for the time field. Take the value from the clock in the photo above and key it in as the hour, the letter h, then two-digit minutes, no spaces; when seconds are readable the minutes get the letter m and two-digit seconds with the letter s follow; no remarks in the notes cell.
1h50
